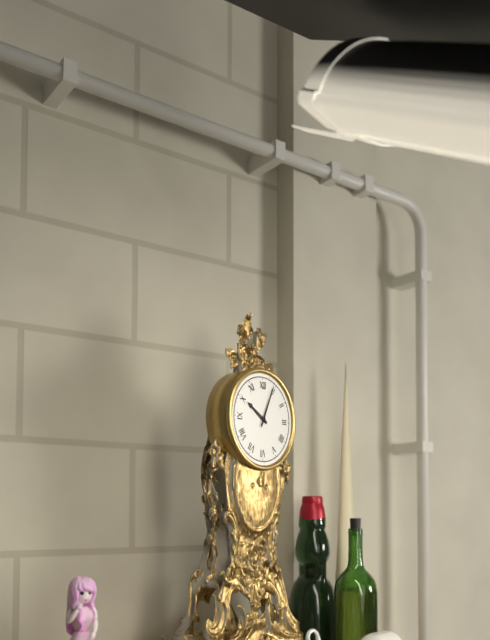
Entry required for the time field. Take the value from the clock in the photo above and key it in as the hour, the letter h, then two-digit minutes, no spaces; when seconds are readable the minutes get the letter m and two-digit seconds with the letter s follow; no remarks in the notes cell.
10h04
